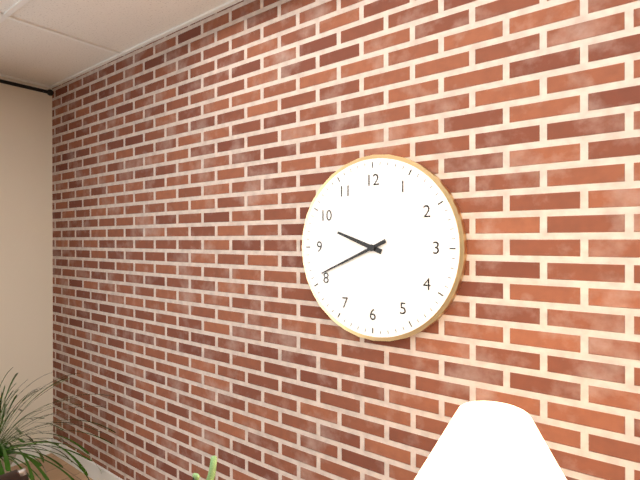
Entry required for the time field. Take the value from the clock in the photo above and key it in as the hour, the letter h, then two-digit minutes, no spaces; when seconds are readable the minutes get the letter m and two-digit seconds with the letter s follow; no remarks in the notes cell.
9h41
